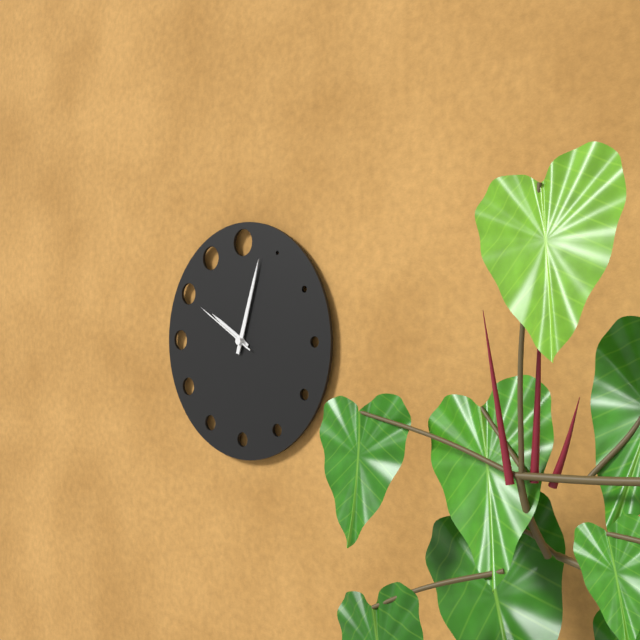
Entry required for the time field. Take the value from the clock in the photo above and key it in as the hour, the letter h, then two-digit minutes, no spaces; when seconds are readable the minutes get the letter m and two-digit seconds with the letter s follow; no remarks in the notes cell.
10h03m50s
